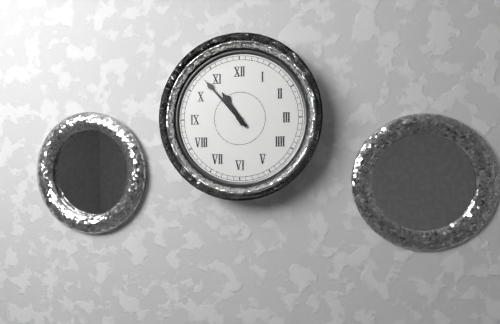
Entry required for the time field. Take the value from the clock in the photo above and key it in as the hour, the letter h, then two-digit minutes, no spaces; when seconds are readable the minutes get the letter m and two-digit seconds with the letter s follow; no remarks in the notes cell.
10h53
